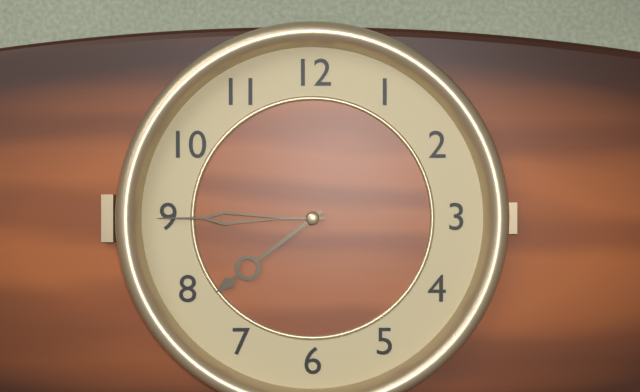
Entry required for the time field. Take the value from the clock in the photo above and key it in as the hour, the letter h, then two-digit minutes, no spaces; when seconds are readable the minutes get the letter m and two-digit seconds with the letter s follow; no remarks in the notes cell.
7h45
